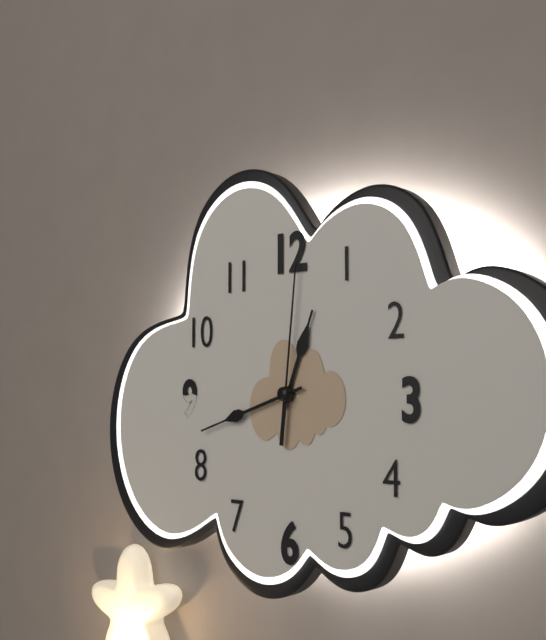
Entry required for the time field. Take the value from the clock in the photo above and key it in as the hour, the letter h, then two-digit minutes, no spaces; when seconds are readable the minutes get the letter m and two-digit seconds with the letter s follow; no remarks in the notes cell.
12h42m01s
